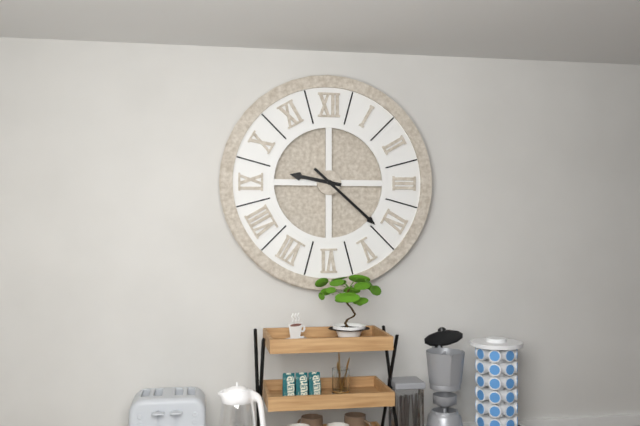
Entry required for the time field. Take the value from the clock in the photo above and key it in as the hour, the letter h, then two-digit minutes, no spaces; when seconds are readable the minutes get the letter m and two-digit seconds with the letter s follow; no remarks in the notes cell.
9h22
